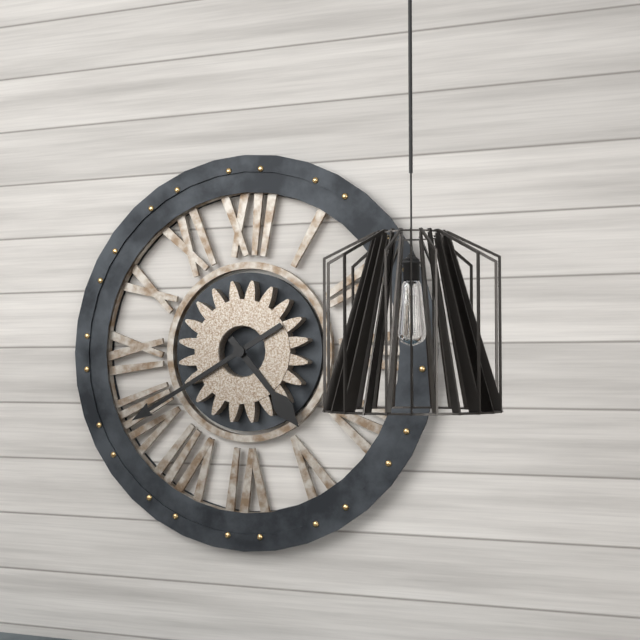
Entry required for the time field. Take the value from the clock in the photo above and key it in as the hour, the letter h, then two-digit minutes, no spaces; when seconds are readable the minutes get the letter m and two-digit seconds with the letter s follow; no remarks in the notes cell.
4h40
